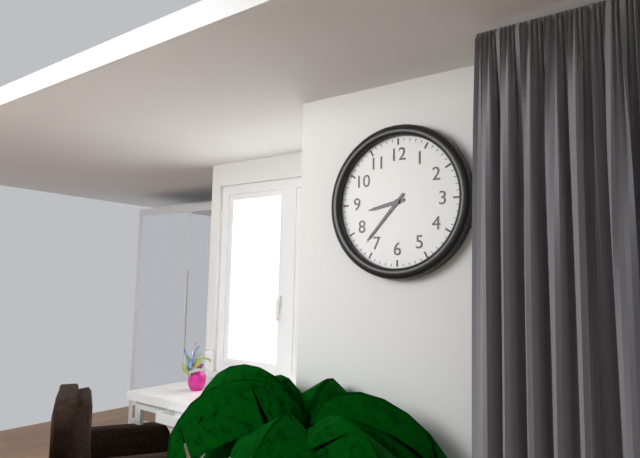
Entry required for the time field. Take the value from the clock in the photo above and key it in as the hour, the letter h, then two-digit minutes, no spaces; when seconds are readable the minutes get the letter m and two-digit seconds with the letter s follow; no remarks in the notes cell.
8h37
